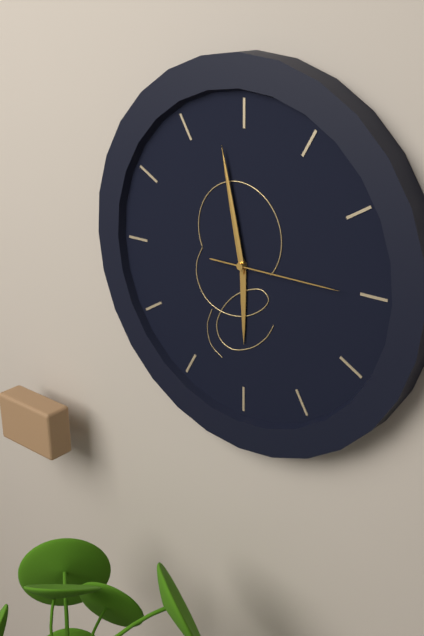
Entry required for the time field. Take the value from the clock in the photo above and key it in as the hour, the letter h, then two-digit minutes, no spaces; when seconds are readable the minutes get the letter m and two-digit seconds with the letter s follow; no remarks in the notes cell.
5h58m15s
